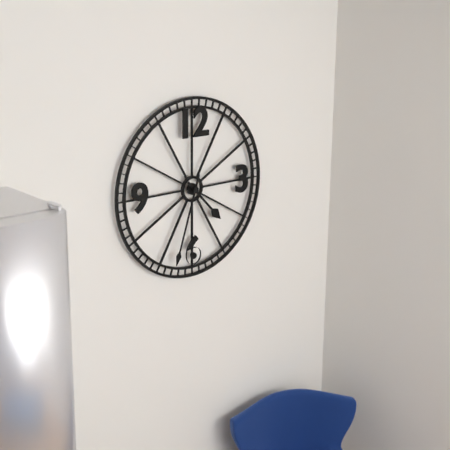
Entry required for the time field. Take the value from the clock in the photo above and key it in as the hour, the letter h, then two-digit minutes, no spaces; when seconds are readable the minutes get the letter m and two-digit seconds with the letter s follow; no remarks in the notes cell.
4h33
